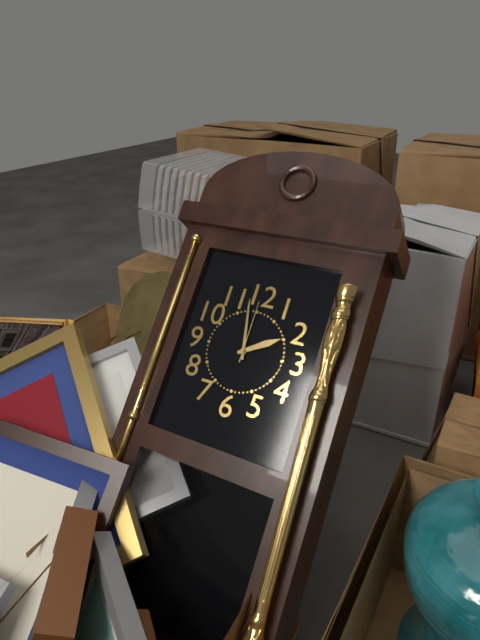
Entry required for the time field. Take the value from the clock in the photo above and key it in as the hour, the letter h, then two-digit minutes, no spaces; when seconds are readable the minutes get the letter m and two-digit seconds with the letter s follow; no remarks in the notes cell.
1h58m00s
